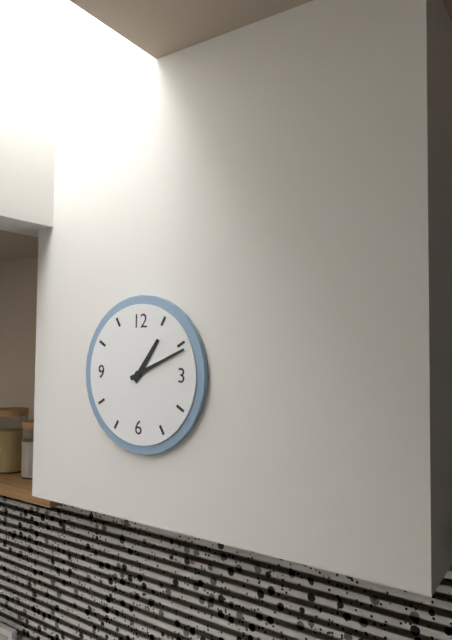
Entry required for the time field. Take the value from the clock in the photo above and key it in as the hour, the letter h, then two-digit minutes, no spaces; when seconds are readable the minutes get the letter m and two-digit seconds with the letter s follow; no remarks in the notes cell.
1h11
